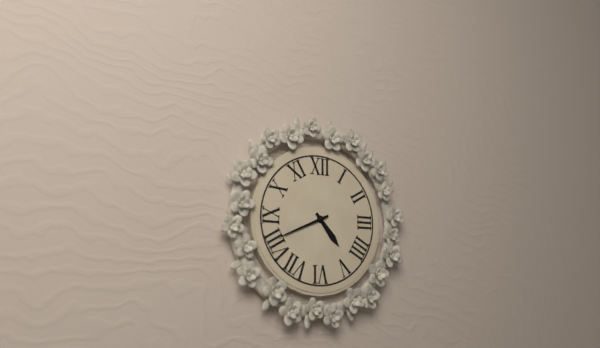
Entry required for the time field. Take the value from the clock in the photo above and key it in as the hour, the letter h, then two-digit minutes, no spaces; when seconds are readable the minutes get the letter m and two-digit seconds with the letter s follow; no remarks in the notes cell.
4h41
